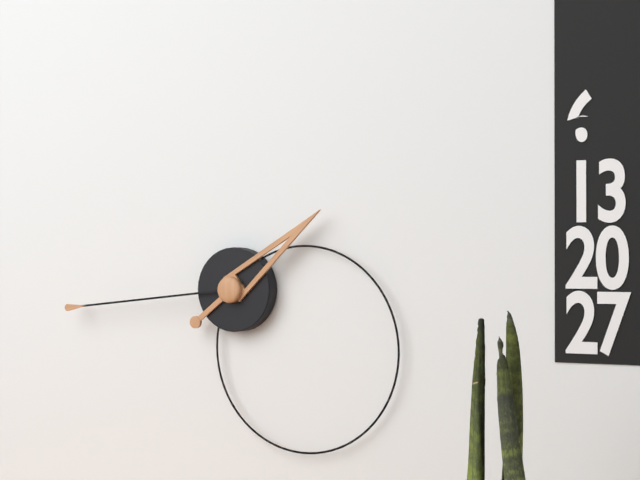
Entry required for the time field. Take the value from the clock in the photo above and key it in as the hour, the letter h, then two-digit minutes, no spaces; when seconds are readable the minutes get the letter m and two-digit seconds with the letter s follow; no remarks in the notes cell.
1h44
